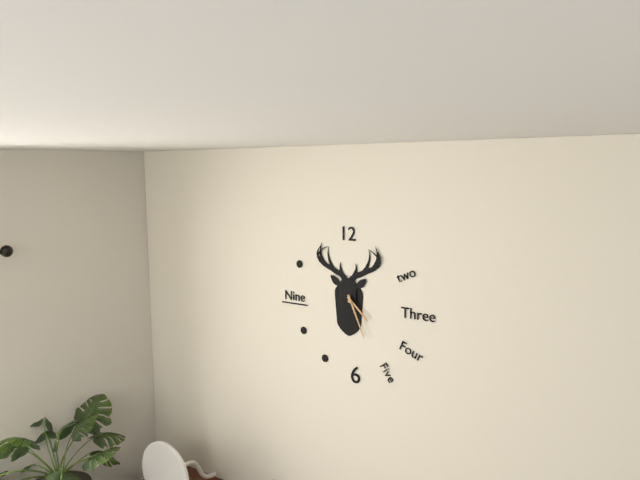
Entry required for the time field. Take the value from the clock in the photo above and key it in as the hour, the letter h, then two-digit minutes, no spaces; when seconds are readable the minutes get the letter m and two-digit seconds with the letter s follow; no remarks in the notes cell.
4h26
